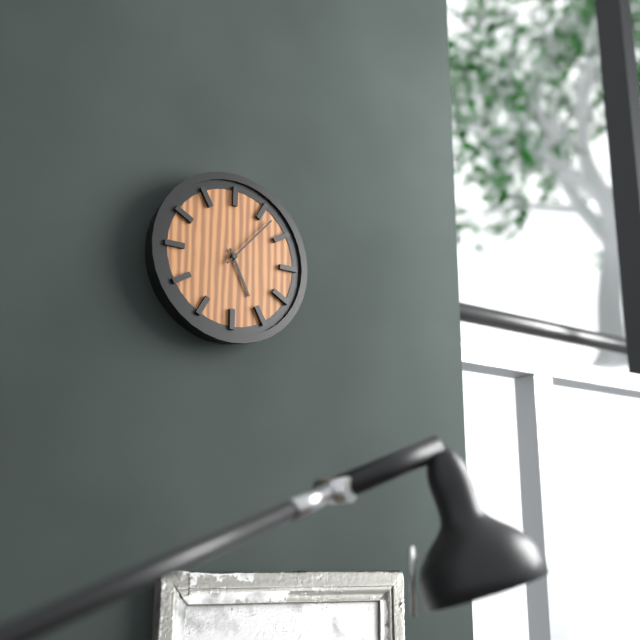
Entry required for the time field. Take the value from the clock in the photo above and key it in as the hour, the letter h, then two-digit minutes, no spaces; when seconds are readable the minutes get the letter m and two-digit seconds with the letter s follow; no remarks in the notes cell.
5h07
